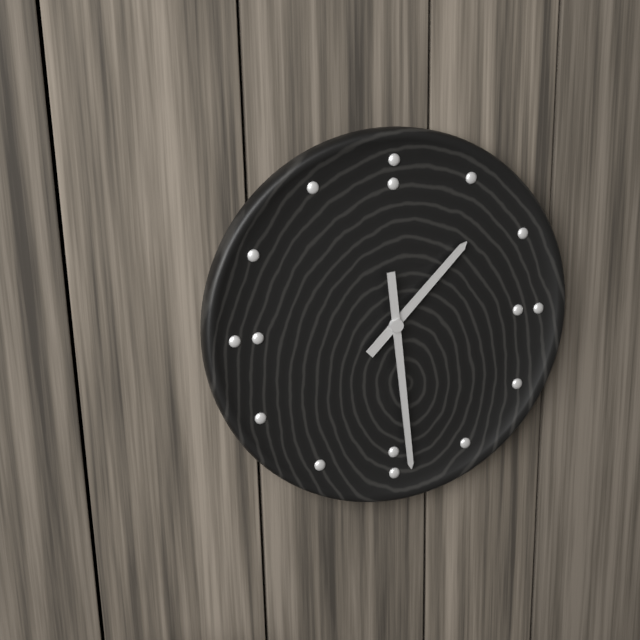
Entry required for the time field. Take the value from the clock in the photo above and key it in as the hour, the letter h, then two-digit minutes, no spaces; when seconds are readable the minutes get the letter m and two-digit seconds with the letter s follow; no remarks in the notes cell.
1h29
